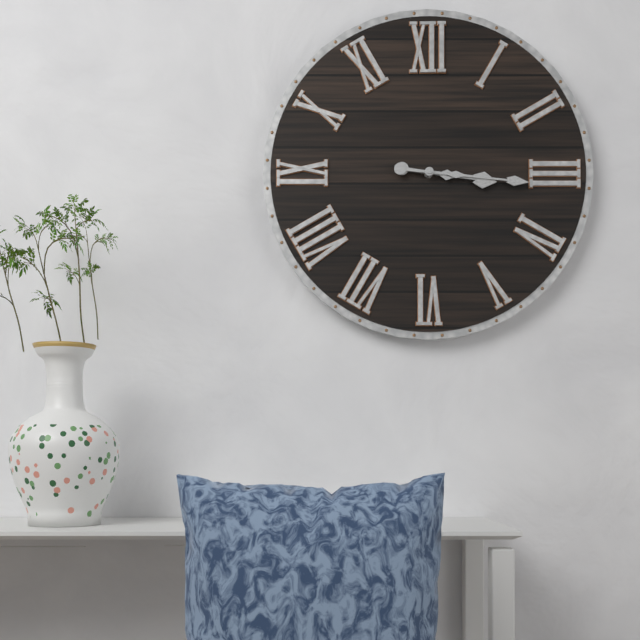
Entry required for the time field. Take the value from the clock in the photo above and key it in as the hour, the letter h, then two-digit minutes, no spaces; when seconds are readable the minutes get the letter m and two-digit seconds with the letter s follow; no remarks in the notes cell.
3h16
